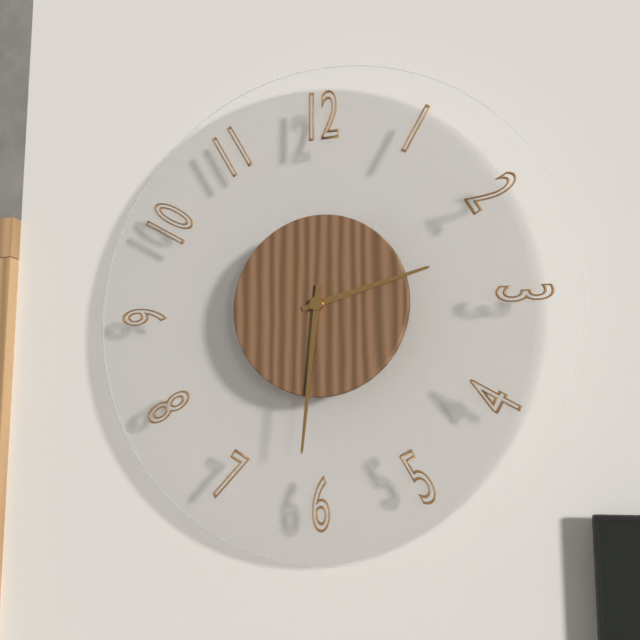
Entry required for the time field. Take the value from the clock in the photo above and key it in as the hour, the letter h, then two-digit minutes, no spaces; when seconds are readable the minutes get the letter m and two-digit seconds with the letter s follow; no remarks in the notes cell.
2h31
